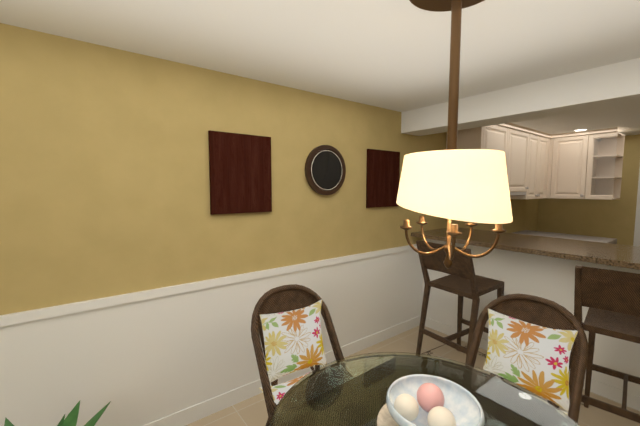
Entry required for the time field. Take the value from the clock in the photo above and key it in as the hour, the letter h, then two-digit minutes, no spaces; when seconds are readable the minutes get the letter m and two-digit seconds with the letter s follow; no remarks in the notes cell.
7h01
